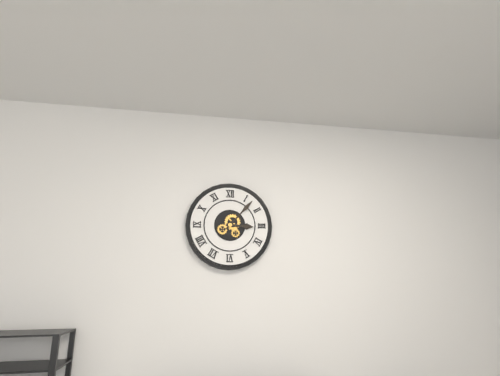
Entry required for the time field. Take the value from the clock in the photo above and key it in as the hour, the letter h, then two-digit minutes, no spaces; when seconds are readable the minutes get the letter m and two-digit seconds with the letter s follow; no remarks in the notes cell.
3h07
